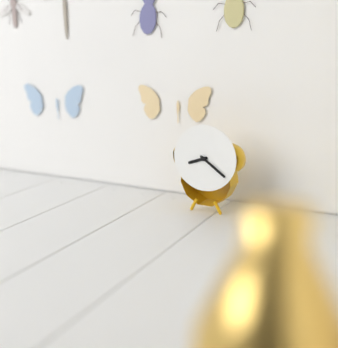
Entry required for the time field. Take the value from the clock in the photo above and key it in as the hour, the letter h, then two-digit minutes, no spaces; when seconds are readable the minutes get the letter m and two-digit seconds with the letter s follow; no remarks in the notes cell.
8h21
